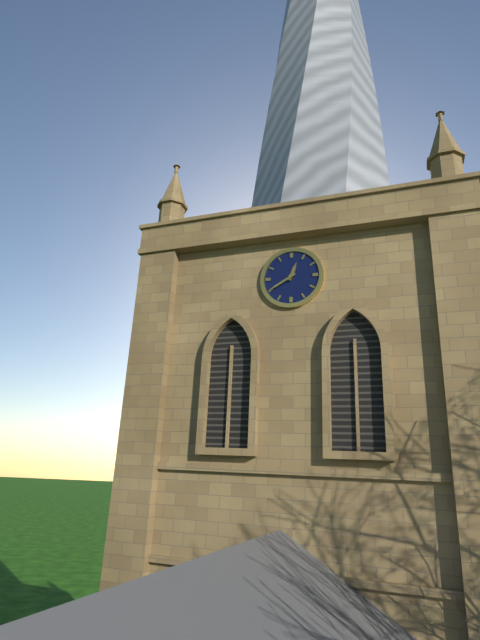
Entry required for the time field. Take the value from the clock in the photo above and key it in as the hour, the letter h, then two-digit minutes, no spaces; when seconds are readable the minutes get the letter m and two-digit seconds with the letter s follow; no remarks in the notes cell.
12h40
